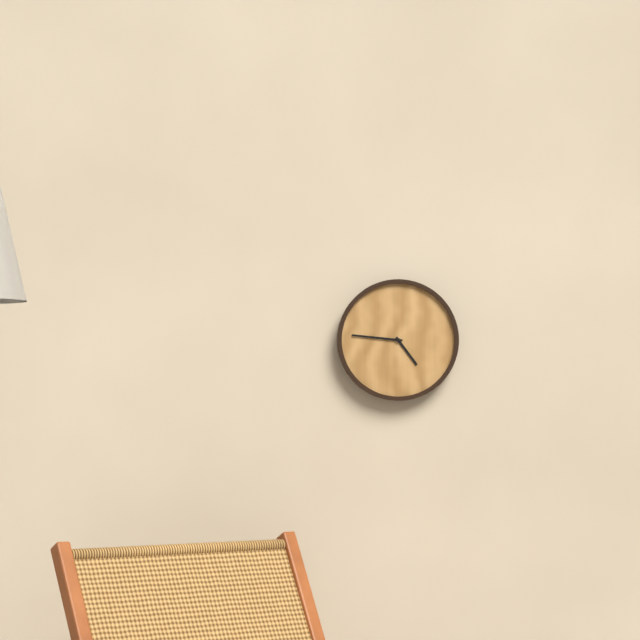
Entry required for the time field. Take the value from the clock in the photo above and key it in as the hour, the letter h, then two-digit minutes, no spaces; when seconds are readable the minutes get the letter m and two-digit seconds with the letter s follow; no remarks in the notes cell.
4h46
